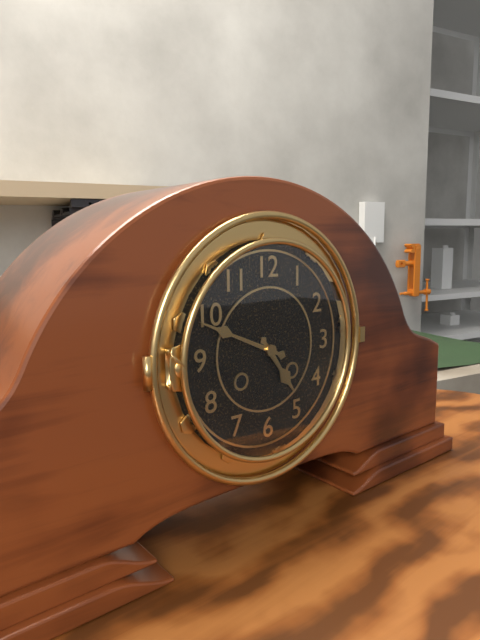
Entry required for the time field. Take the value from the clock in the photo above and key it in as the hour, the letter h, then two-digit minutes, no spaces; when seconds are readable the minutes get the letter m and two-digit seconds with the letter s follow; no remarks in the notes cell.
4h49
